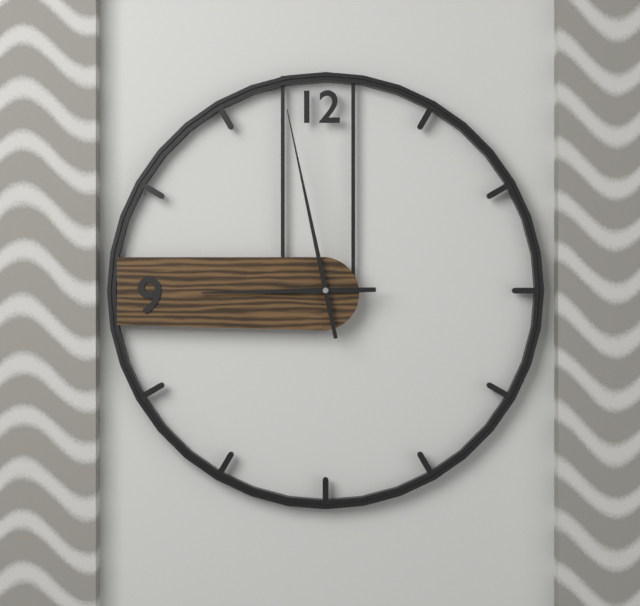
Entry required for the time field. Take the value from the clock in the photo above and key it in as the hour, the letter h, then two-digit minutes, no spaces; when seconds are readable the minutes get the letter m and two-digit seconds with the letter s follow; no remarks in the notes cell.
8h58
